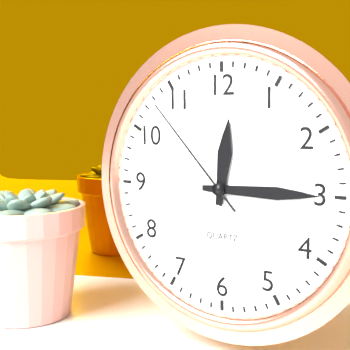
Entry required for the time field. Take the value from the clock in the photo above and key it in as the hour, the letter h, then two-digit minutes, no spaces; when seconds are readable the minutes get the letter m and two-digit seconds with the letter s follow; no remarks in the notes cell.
12h15m53s
